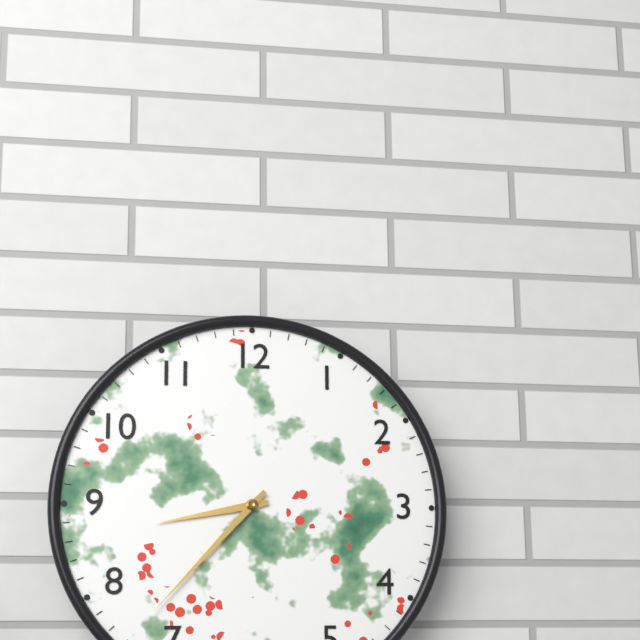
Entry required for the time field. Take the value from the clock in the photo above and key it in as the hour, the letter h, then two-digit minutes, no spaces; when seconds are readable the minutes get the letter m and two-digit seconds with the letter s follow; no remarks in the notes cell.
8h37
